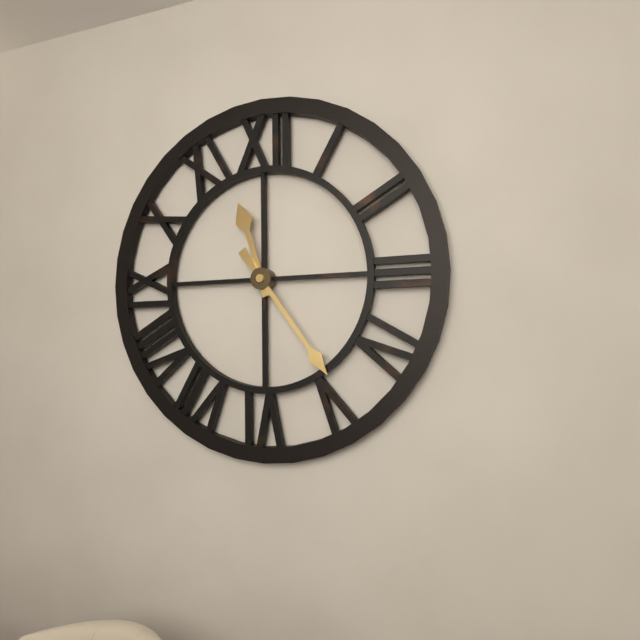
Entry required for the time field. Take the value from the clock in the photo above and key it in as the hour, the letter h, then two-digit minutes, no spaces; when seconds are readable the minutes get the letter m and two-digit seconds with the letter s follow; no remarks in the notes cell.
11h24
